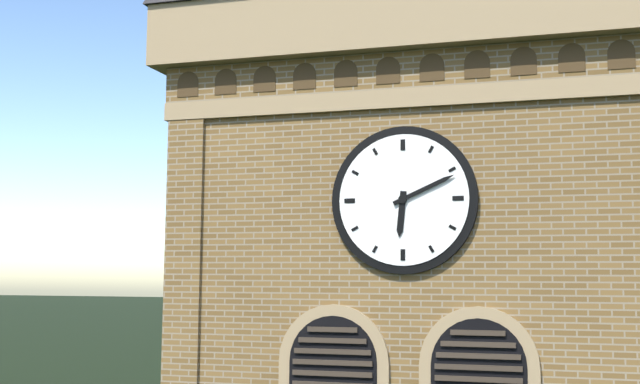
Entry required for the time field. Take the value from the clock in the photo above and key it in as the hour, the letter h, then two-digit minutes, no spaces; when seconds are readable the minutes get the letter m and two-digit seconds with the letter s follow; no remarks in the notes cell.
6h11
